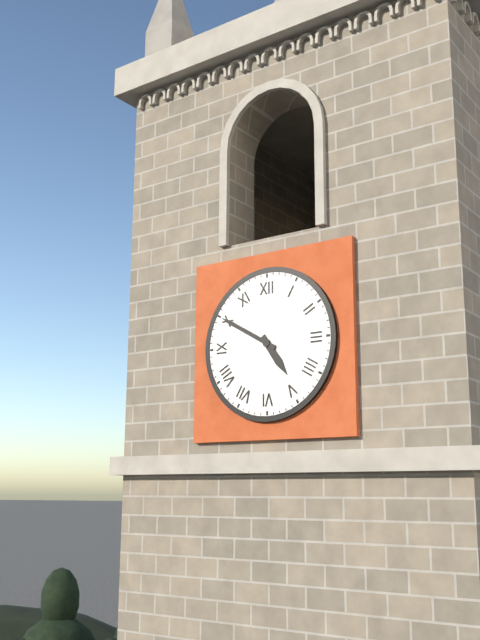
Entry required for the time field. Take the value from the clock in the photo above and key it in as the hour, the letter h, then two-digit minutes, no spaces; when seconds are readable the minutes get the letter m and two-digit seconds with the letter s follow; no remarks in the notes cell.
4h50
